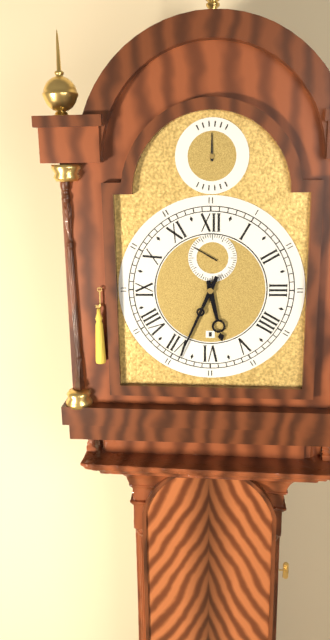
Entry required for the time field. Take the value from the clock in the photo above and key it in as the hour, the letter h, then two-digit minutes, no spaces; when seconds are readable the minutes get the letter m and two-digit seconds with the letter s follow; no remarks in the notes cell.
5h34
